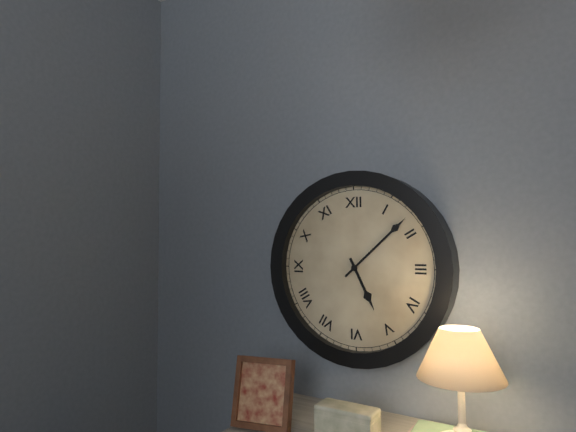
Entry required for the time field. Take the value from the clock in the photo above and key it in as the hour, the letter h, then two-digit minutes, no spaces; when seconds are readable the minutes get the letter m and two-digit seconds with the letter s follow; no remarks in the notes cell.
5h08
